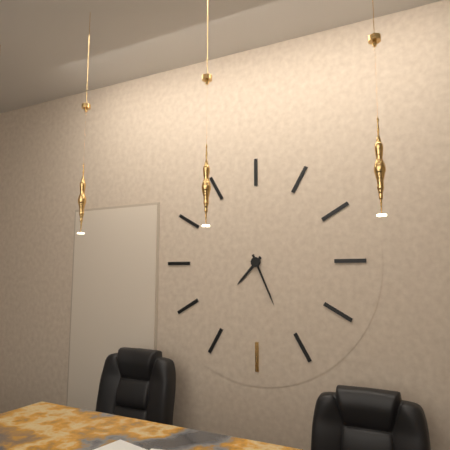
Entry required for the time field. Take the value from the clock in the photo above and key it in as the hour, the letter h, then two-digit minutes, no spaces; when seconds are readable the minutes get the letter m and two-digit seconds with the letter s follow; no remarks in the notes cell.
7h26
